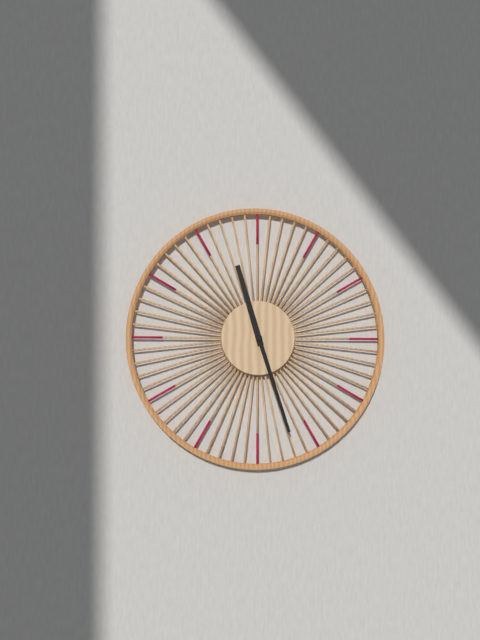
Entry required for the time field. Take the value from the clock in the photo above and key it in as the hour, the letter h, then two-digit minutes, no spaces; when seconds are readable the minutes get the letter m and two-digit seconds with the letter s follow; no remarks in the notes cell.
11h27
